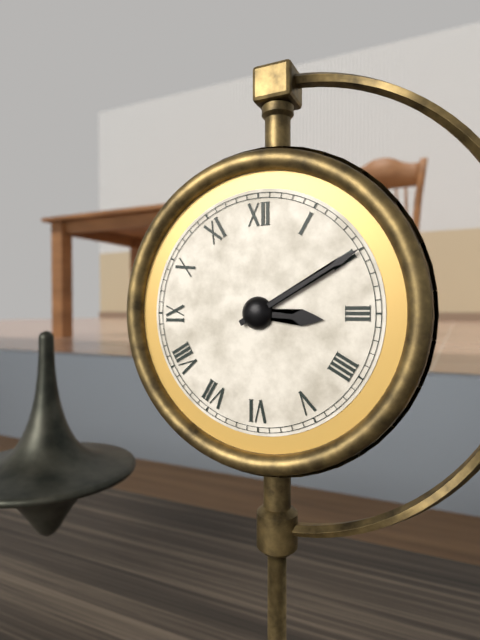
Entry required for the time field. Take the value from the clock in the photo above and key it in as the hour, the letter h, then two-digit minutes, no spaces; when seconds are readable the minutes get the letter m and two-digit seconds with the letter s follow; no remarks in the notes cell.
3h10
